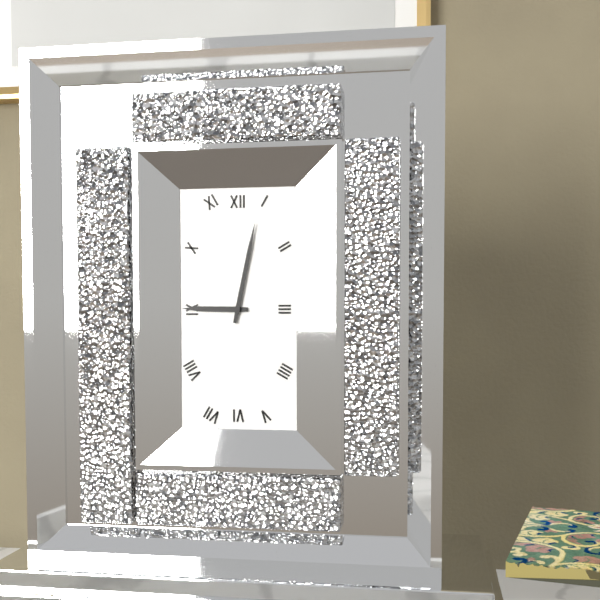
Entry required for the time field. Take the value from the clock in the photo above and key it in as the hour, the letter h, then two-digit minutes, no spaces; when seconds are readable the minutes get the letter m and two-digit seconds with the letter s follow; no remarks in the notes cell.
9h02
